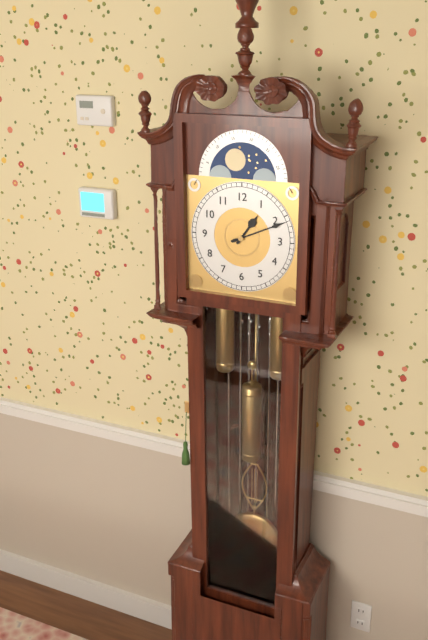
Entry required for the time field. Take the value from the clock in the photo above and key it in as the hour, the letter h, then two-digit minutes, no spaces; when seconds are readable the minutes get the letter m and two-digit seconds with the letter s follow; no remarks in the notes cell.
1h11
